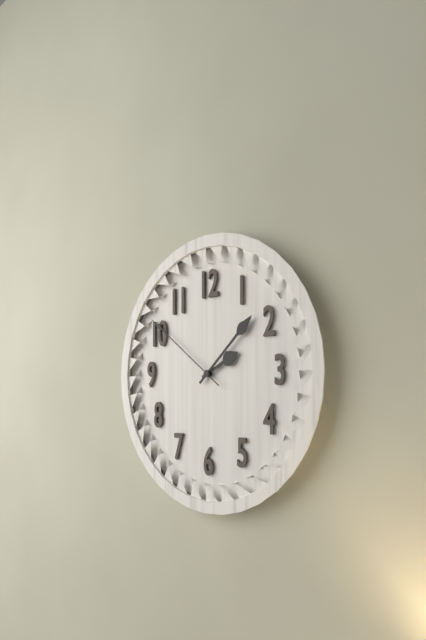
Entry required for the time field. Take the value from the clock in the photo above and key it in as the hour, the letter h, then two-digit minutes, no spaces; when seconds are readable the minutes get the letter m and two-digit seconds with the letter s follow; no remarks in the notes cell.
2h08m51s
